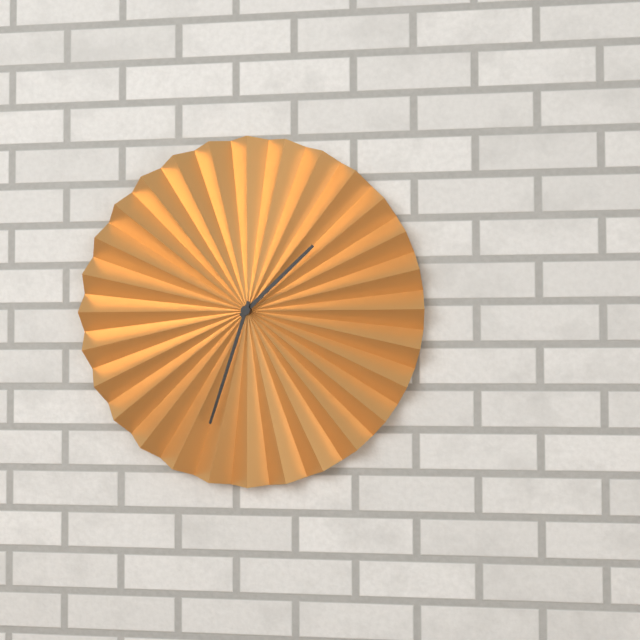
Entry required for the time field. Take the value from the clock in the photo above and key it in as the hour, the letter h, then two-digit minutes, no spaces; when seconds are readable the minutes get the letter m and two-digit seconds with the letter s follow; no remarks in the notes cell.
1h33
